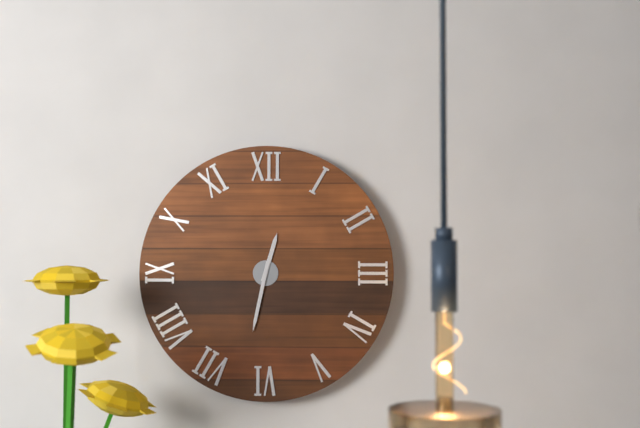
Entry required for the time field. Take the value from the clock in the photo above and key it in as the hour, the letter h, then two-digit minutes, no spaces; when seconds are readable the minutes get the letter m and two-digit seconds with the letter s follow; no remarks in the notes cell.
12h32
